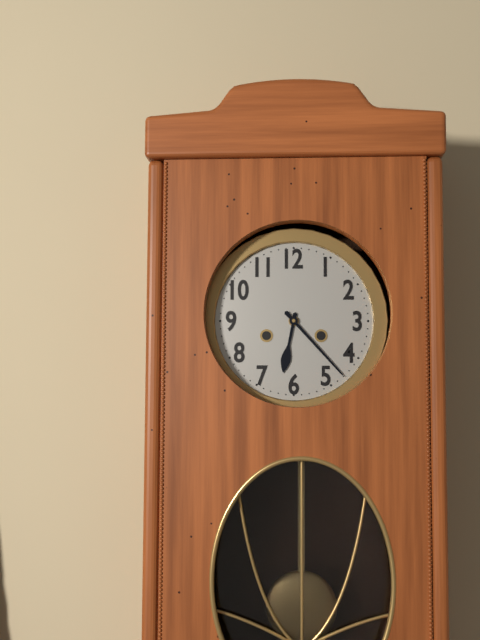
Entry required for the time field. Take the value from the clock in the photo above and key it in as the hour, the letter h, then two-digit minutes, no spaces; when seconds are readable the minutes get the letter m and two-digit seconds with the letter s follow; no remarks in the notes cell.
6h23
